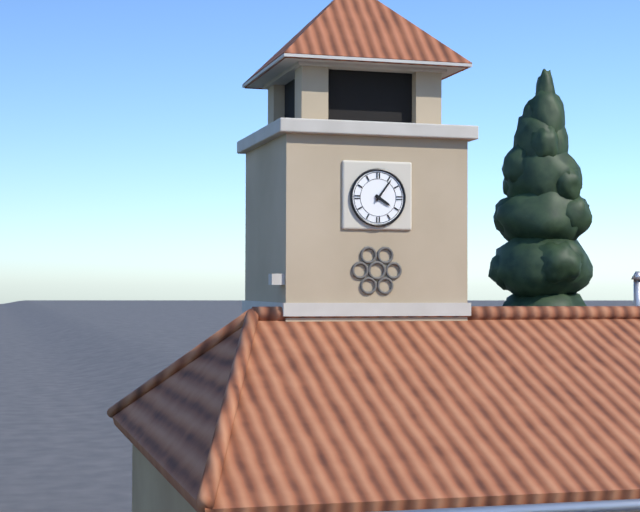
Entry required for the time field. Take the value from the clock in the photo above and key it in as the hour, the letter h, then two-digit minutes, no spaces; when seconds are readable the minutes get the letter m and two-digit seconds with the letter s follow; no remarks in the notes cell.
4h06
